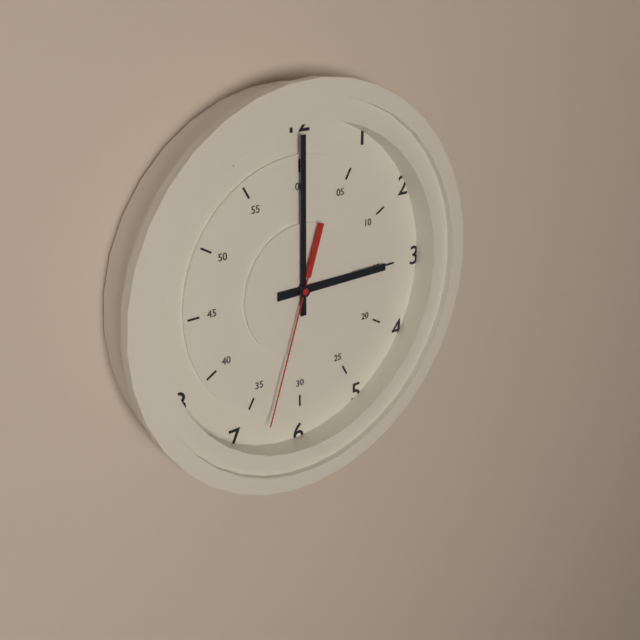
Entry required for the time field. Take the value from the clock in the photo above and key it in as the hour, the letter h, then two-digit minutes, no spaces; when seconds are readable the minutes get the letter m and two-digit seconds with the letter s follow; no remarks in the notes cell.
3h00m33s
